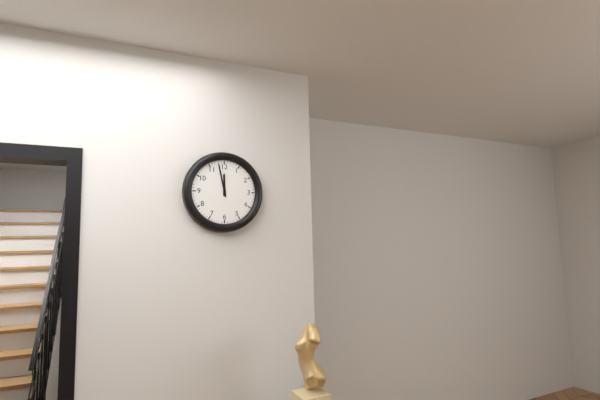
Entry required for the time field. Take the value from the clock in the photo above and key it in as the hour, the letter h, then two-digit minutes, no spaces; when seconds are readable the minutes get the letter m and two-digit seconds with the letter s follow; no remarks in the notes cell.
11h58
